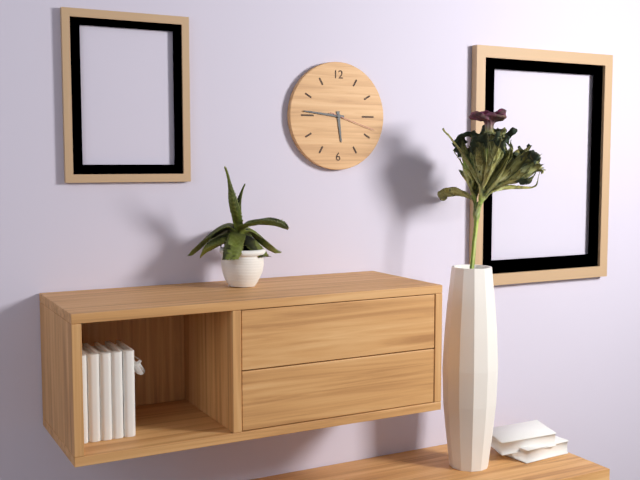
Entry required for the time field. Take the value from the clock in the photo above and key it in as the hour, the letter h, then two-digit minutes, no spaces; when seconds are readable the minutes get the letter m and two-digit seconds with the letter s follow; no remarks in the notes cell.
5h46m18s
